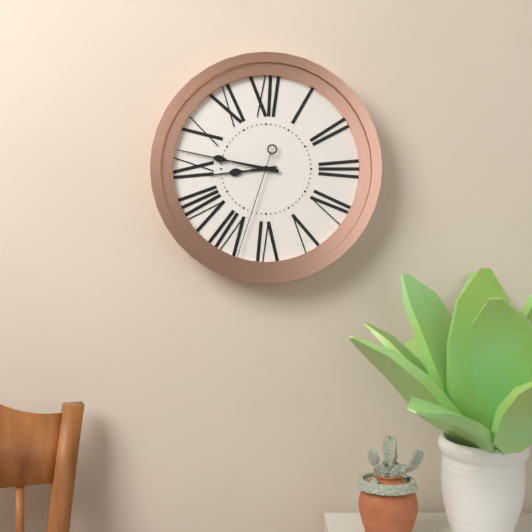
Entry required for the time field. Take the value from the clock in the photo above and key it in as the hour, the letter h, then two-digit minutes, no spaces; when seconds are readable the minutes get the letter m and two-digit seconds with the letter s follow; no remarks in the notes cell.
8h47m33s
